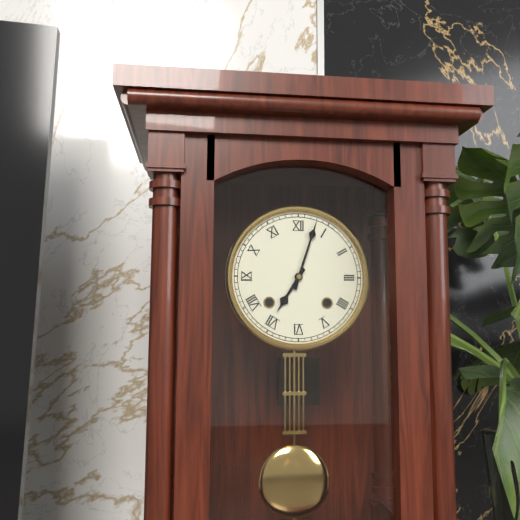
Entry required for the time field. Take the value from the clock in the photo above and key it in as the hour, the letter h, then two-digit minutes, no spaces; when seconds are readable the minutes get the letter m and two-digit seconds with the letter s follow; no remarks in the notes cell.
7h03
